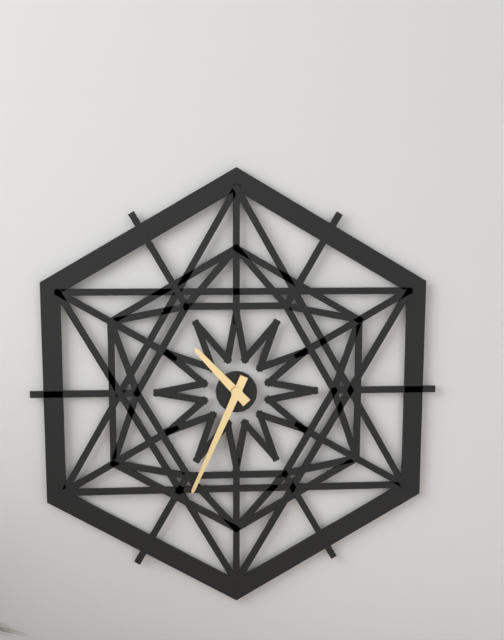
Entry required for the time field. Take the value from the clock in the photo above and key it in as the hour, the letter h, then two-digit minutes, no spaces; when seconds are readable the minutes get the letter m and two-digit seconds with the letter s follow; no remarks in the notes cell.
10h34
